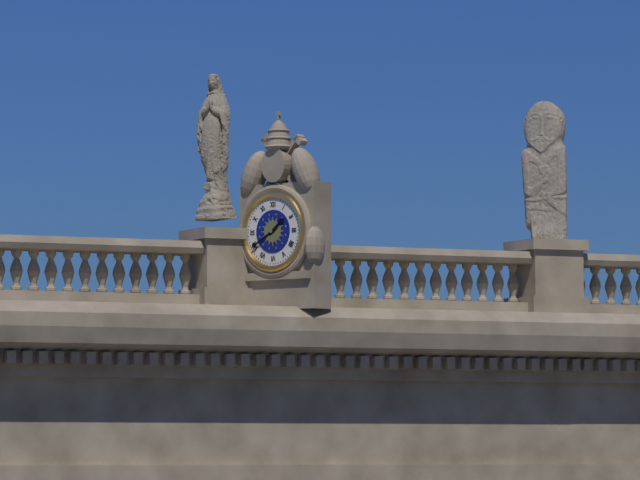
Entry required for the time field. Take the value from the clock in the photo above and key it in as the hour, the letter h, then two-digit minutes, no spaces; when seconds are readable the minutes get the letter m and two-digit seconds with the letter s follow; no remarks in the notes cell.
1h40
